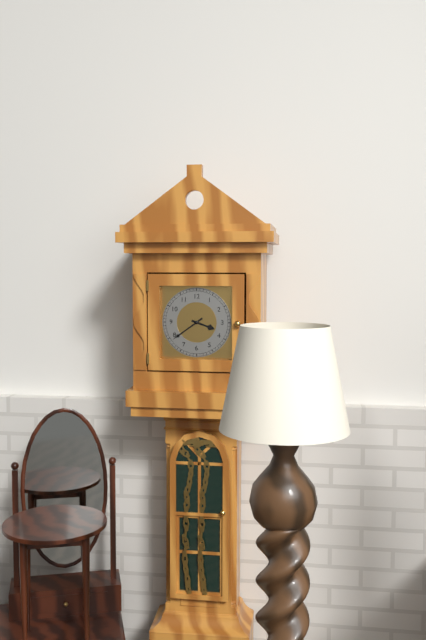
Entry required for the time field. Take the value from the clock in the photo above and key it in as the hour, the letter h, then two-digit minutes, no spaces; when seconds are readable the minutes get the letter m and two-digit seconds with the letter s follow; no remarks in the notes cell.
3h39
